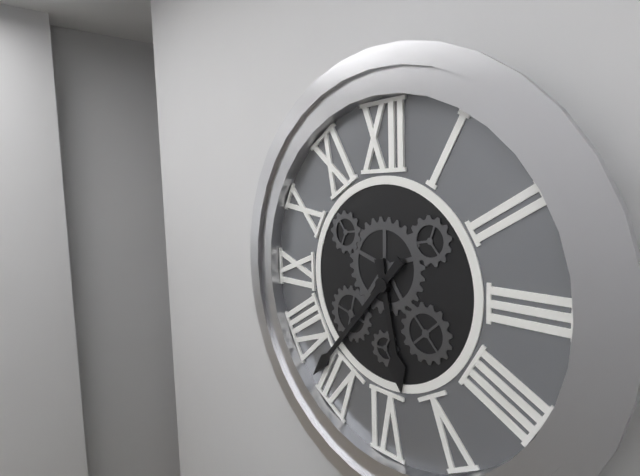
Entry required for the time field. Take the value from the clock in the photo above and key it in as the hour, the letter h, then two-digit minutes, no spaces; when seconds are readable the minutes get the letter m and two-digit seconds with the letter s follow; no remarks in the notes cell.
5h37
